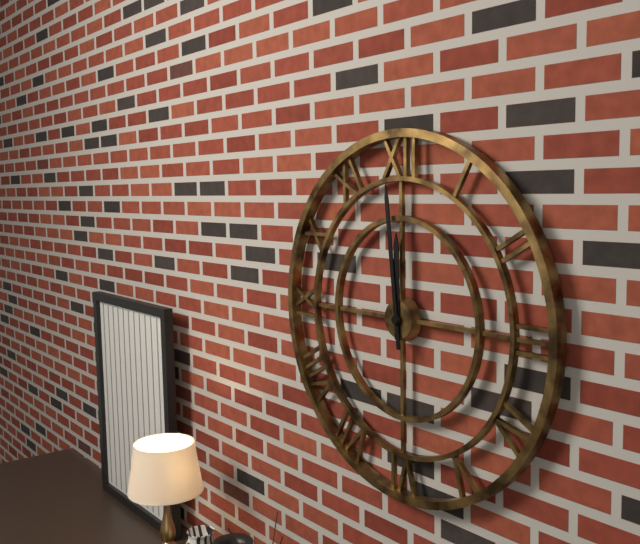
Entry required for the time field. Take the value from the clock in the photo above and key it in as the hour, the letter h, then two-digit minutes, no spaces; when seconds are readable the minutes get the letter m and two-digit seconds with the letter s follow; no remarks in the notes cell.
11h59
